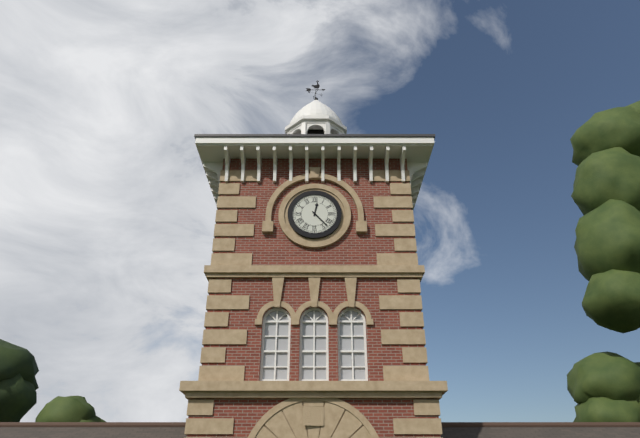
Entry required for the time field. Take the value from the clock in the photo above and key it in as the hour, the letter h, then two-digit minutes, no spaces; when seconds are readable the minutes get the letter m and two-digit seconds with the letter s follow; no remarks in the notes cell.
12h23
